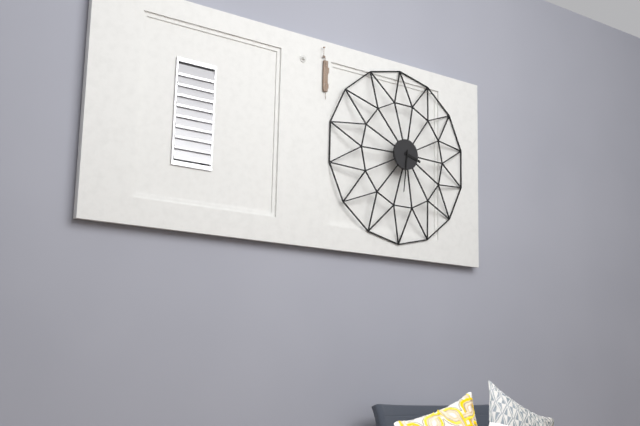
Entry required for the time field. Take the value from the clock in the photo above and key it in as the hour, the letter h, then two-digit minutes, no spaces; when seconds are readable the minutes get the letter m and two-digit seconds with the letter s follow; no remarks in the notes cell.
3h31
